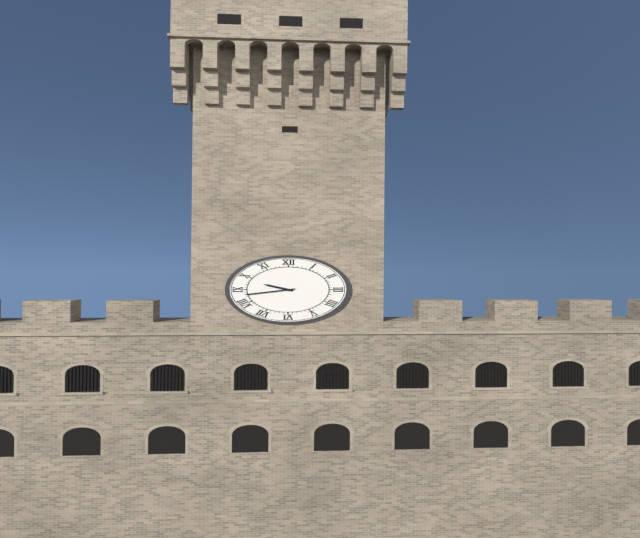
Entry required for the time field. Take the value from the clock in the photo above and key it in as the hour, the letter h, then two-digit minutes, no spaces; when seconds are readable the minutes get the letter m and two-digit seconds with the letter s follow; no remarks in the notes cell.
9h43
